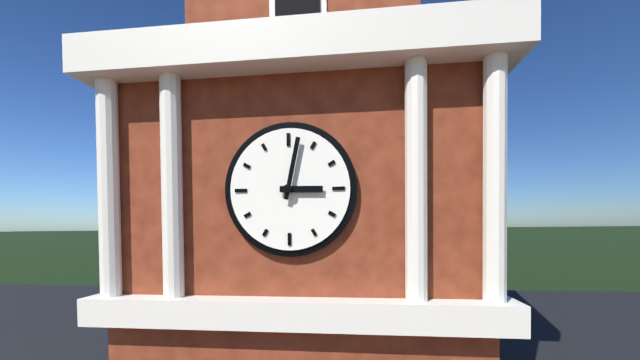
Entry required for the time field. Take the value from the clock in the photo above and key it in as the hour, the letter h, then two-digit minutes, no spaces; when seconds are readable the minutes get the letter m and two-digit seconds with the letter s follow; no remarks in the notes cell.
3h02
